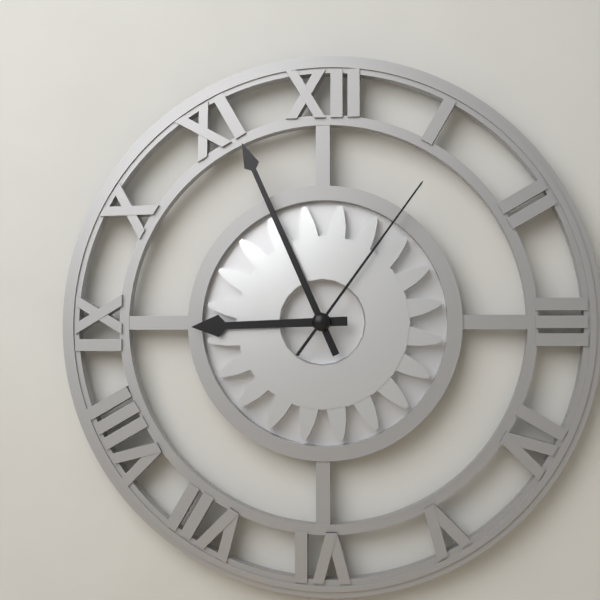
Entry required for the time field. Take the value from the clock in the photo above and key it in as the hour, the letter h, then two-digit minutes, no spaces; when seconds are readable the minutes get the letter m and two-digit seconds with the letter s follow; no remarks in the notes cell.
8h56m06s
